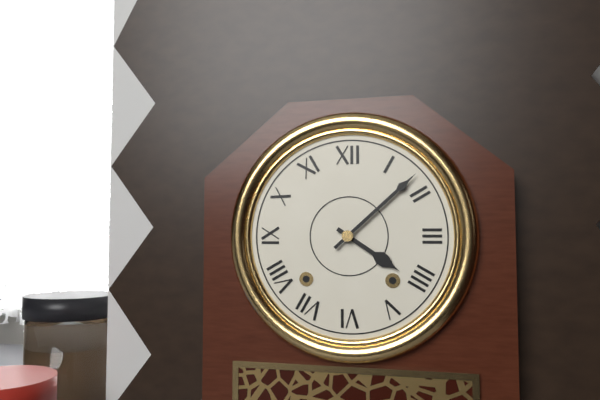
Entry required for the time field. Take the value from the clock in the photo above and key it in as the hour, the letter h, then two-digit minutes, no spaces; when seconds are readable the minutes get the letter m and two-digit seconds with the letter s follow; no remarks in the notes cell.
4h08
